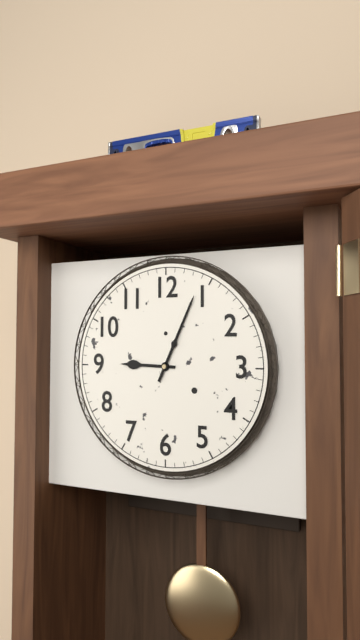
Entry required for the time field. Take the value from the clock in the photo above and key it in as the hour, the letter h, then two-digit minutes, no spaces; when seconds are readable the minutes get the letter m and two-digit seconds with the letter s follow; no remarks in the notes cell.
9h04
